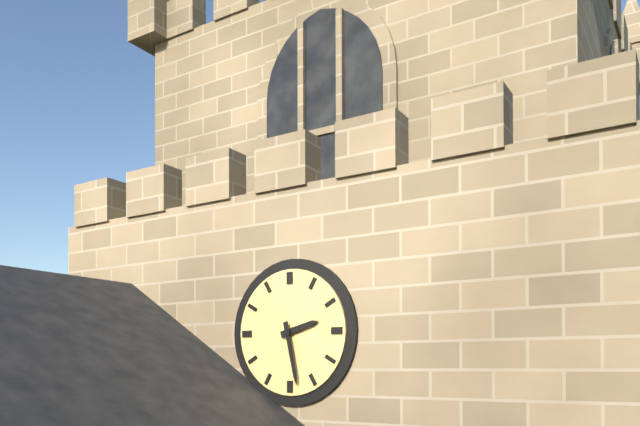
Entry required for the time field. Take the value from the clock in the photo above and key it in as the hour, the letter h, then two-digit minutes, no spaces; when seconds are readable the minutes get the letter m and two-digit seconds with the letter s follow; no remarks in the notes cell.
2h28
